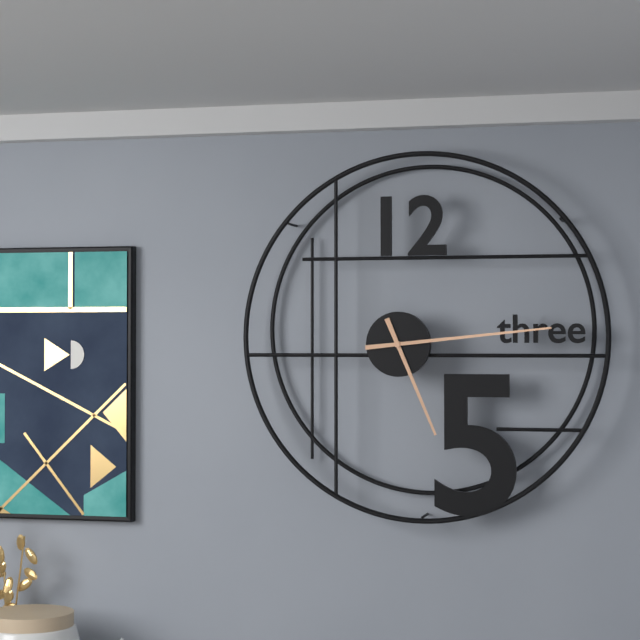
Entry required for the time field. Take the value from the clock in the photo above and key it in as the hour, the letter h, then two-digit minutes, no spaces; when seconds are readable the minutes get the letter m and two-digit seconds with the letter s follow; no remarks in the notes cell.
5h14
